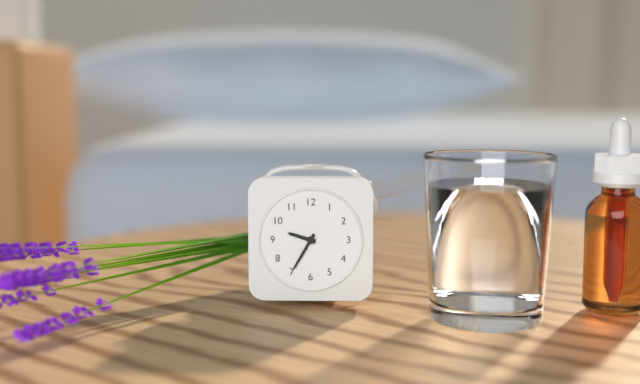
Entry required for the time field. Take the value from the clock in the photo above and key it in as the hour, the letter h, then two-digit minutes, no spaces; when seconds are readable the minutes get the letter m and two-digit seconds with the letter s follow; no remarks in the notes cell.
9h35
